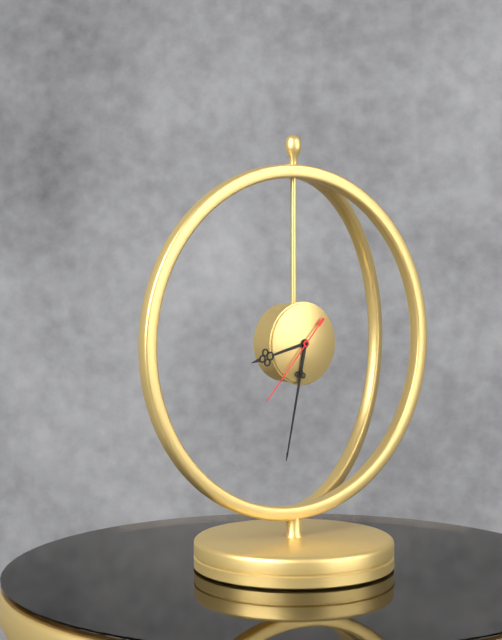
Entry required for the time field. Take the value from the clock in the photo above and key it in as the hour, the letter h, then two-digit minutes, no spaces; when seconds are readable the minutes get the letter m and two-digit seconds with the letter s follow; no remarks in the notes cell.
8h32m37s
